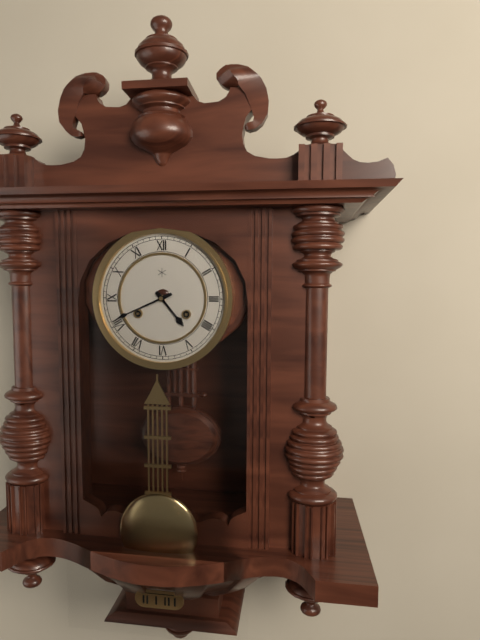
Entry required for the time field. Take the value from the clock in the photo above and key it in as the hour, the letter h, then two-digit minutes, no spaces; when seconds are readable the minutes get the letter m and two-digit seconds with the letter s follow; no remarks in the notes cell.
4h41
